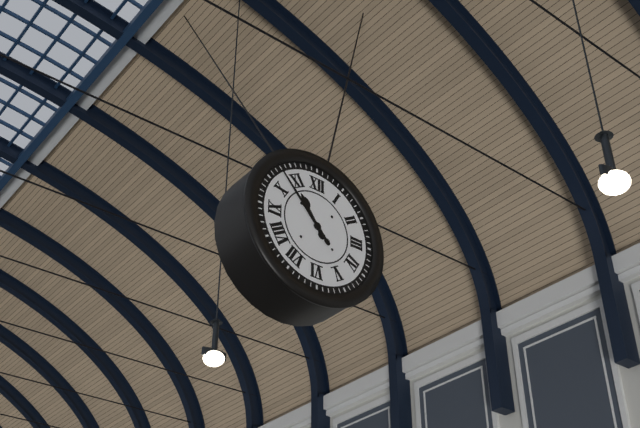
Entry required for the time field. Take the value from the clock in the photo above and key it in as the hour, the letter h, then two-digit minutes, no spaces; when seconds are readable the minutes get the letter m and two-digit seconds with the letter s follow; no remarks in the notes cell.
10h53
